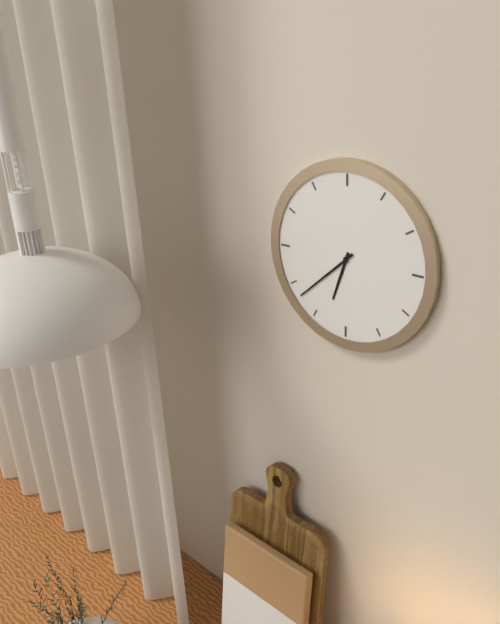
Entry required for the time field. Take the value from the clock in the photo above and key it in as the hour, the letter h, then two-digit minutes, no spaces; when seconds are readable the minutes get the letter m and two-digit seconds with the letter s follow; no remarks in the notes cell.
6h38
